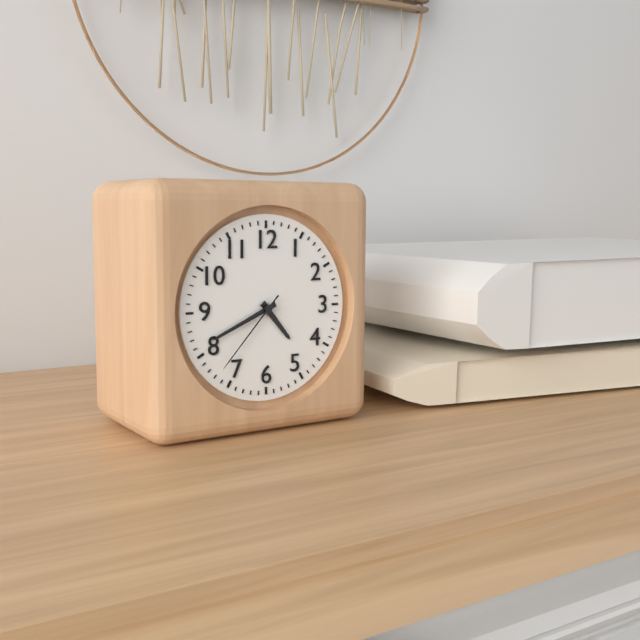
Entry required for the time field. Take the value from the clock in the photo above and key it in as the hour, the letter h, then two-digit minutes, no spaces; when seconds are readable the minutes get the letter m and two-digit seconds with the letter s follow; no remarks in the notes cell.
4h41m37s
